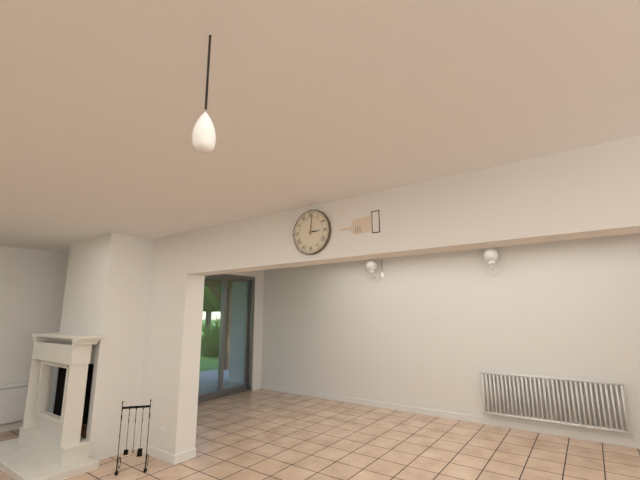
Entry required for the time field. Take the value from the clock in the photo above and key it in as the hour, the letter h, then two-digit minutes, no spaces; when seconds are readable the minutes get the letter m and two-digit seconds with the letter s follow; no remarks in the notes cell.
3h01
